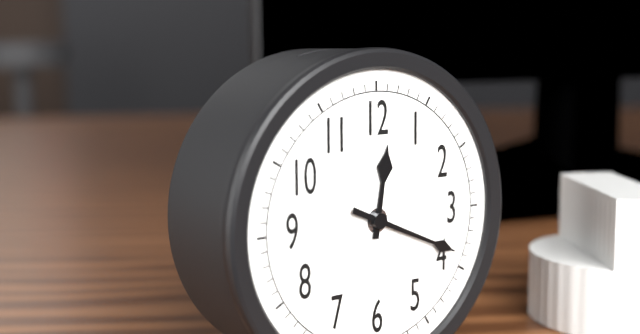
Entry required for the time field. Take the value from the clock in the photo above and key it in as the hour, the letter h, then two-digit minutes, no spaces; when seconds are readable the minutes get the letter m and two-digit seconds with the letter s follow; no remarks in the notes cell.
12h19
